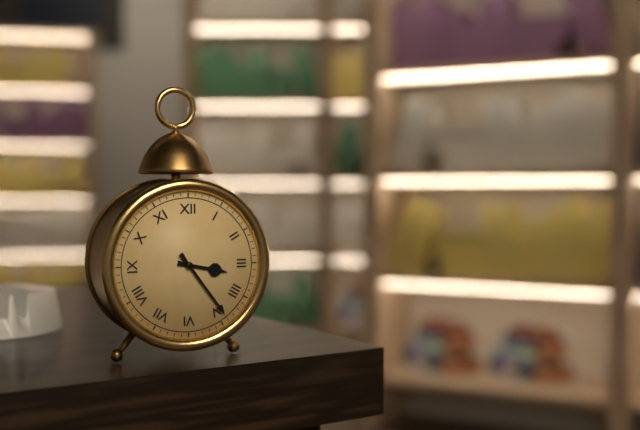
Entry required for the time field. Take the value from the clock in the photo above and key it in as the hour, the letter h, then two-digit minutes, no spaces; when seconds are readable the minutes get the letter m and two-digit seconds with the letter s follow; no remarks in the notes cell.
3h24
